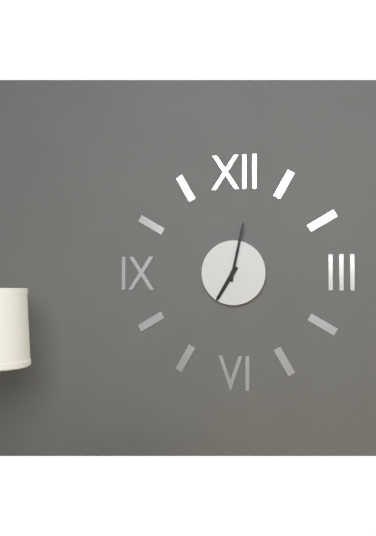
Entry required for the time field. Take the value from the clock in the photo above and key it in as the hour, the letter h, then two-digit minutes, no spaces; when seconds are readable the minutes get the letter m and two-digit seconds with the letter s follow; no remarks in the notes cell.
7h02
